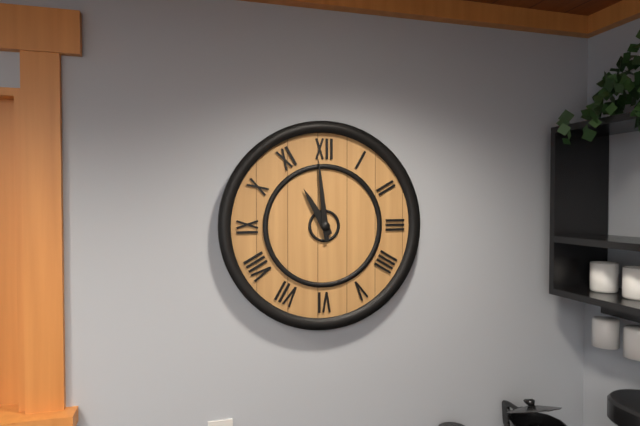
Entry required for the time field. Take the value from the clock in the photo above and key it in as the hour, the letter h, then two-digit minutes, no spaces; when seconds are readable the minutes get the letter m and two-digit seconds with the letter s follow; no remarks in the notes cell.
10h59
